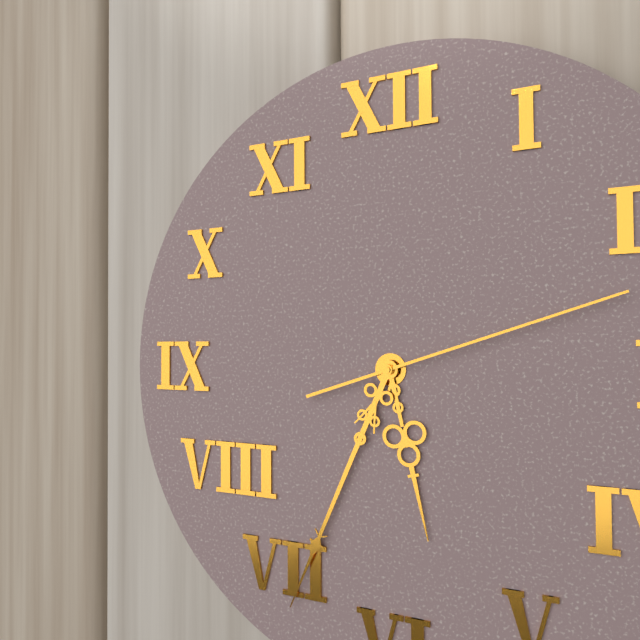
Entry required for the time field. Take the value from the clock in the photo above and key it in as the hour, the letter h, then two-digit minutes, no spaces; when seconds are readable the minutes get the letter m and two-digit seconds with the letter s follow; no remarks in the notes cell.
5h34m12s
